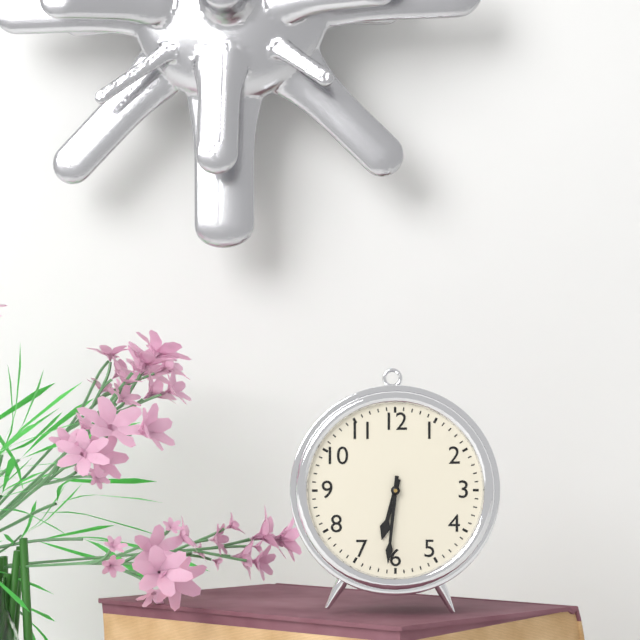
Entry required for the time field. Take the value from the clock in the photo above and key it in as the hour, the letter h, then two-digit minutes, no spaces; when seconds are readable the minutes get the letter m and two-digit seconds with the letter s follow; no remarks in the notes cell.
6h31
